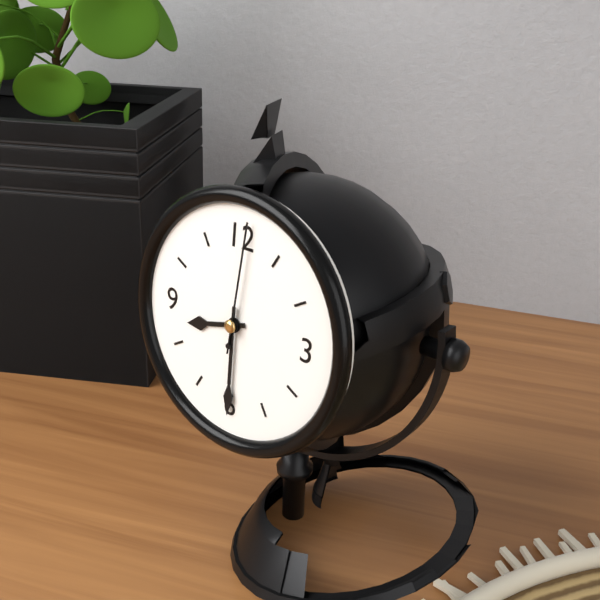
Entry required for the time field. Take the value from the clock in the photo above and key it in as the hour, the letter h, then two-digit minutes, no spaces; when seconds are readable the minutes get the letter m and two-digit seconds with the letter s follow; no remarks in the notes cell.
8h30m01s
